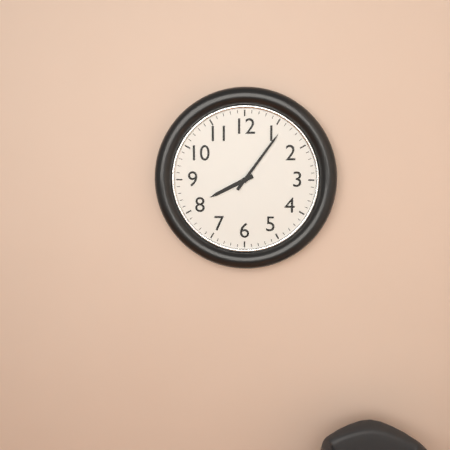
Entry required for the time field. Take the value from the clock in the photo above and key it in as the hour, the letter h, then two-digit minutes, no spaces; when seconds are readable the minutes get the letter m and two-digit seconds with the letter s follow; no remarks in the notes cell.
8h06
